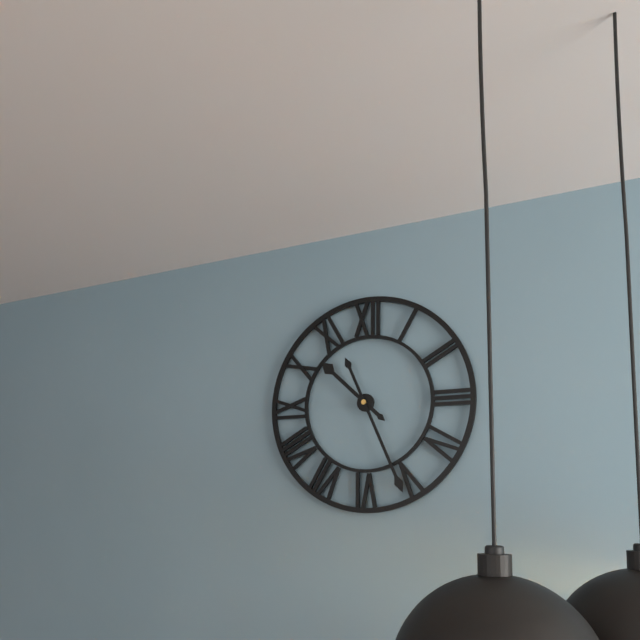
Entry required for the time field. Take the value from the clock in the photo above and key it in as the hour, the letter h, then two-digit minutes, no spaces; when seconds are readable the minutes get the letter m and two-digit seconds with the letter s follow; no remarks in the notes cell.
10h26
